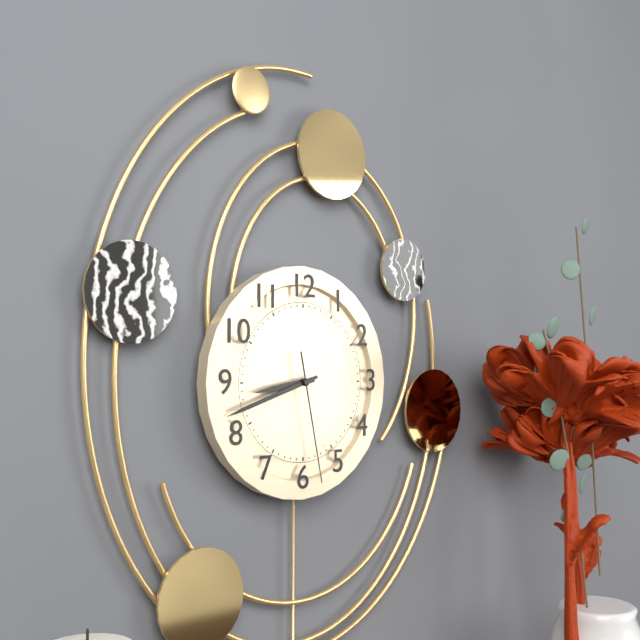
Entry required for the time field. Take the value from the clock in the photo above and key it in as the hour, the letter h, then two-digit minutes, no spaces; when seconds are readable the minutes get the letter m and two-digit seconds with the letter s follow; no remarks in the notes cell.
8h42m28s
